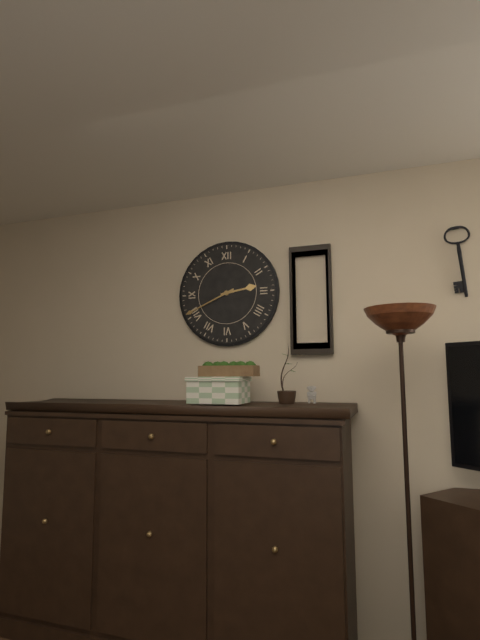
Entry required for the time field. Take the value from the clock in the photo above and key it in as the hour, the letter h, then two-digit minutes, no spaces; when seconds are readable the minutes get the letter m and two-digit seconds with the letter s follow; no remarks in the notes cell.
2h41
